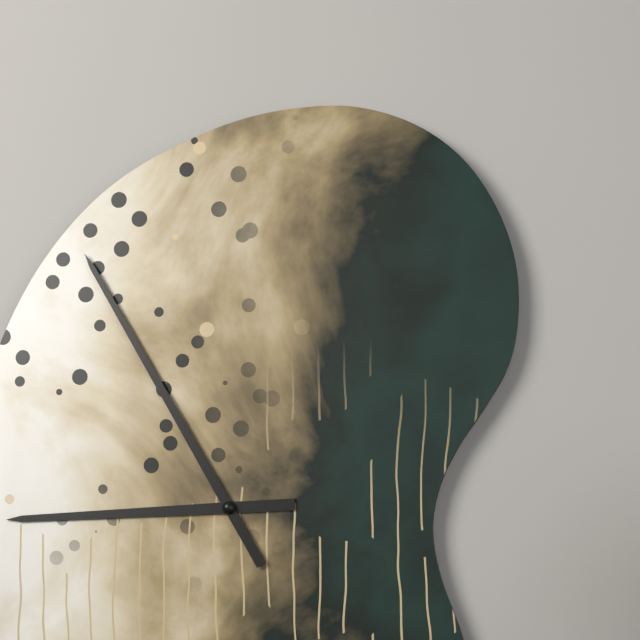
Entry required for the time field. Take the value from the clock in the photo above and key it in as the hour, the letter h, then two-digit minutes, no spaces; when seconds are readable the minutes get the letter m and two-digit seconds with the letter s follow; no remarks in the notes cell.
8h55
